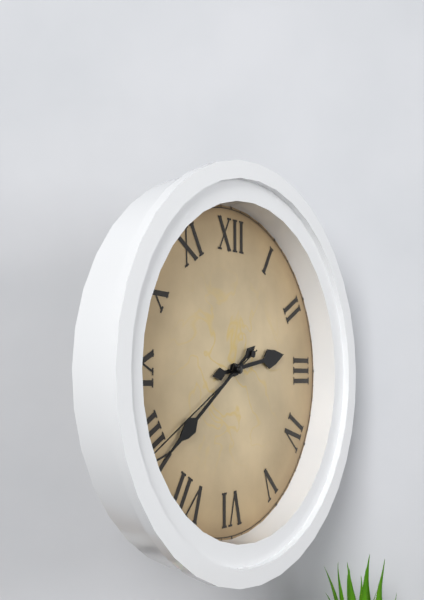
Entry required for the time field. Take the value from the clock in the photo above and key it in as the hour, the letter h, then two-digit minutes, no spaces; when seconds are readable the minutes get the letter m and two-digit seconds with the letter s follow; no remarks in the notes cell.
2h39m40s
